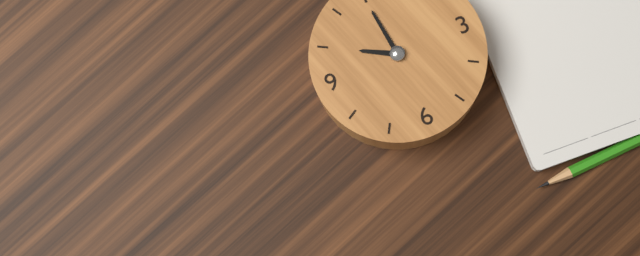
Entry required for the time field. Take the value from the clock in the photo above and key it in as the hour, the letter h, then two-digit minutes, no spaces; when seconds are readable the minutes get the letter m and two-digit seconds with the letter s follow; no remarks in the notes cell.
9h59
